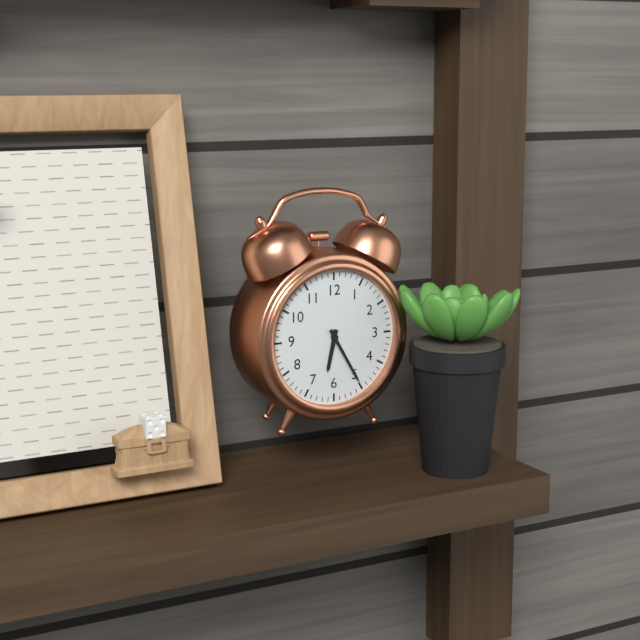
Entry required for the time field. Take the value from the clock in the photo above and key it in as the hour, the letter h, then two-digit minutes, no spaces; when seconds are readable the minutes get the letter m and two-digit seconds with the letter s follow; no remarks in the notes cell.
6h25
